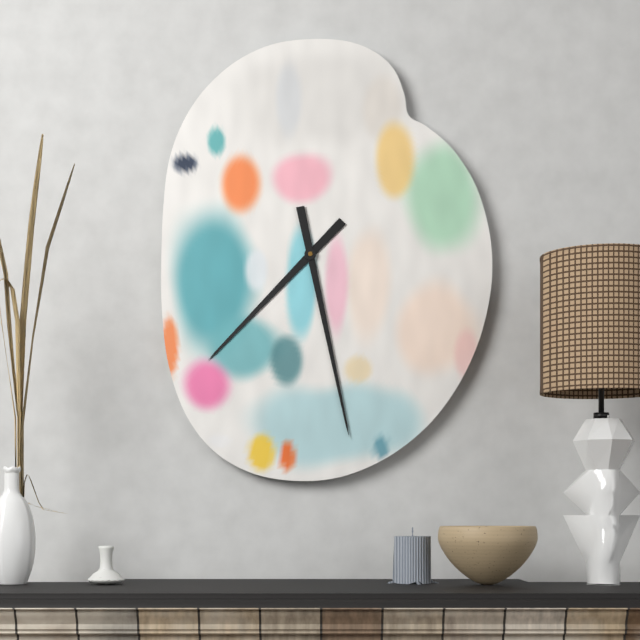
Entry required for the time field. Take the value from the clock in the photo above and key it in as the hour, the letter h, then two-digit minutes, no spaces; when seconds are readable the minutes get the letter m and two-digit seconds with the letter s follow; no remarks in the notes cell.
7h28
